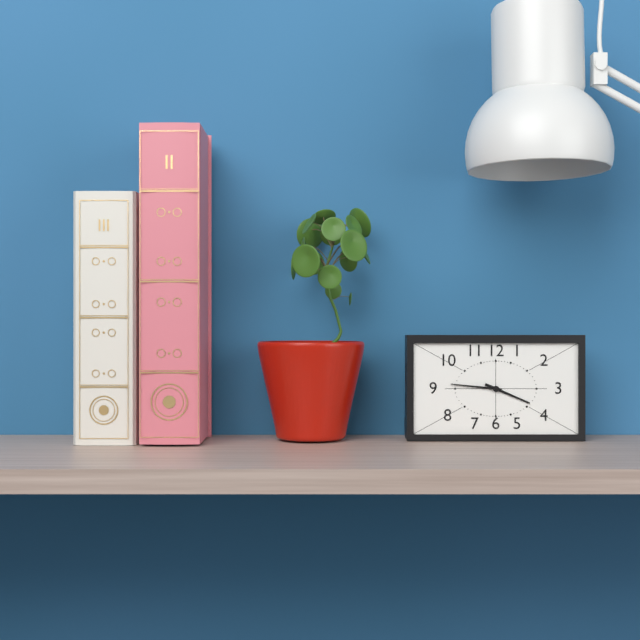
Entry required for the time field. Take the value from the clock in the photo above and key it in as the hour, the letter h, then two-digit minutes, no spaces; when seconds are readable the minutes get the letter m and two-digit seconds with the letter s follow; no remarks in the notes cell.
3h46
